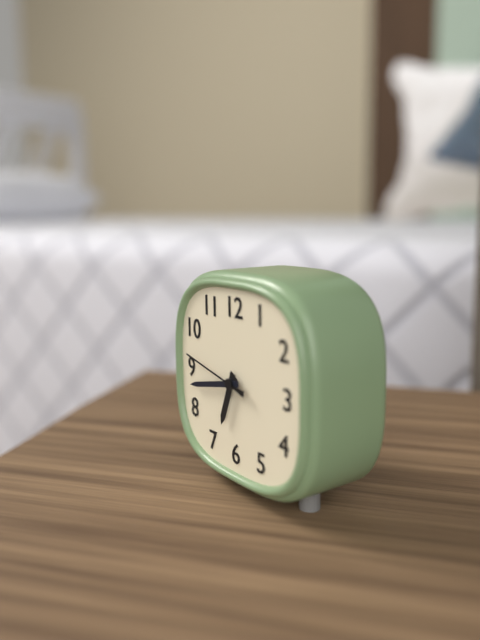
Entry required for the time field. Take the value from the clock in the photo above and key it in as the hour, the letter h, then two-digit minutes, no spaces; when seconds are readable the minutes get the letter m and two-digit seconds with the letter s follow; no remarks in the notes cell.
6h43m47s
